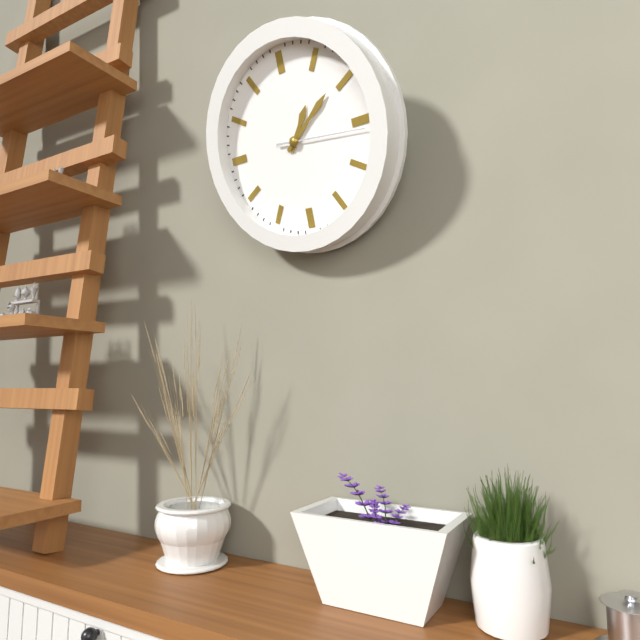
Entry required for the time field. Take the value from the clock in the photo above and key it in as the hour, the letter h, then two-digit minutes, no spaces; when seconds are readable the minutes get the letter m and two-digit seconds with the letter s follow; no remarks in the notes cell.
1h09m16s
